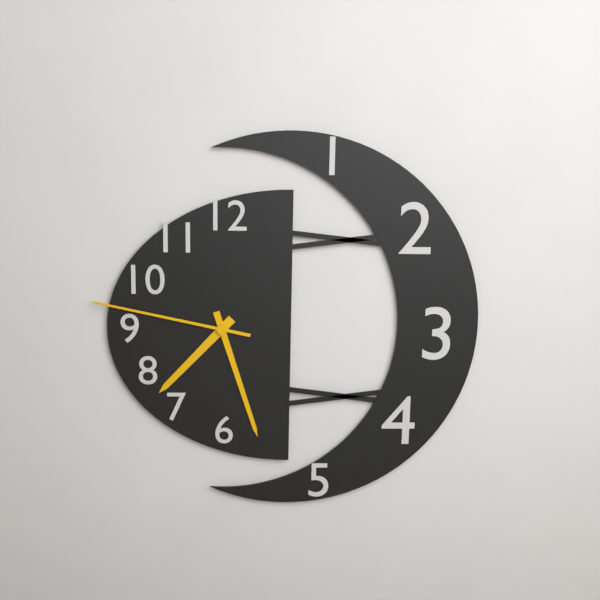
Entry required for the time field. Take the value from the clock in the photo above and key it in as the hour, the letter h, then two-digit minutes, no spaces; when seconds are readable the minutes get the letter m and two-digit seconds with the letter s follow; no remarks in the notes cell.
7h27m47s
